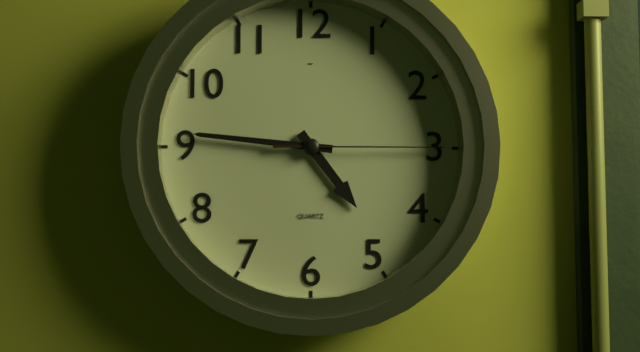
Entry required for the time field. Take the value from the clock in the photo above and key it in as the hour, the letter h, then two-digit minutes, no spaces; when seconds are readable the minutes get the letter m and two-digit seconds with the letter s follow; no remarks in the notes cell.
4h46m15s
